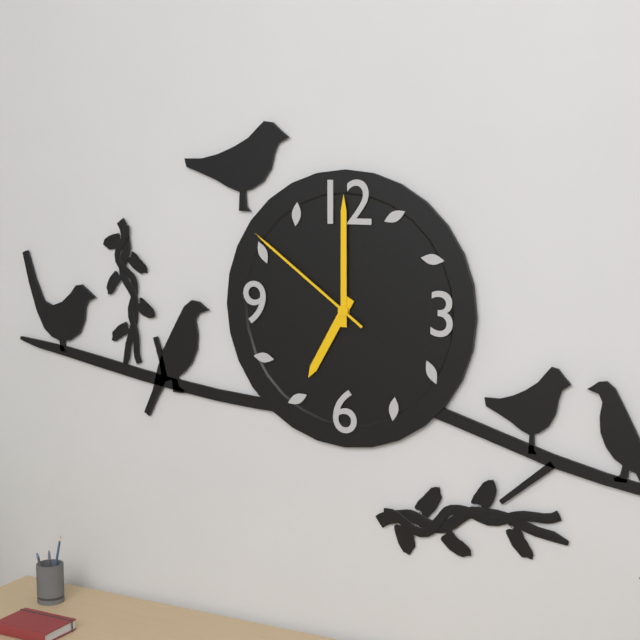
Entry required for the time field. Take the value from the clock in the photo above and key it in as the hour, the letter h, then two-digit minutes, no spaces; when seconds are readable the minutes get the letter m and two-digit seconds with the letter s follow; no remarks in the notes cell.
7h00m51s
